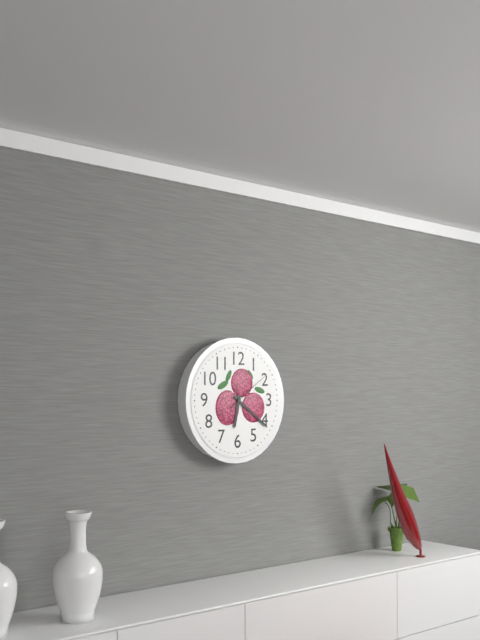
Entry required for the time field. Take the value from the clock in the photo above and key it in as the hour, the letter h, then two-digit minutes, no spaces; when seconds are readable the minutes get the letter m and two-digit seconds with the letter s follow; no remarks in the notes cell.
6h21
